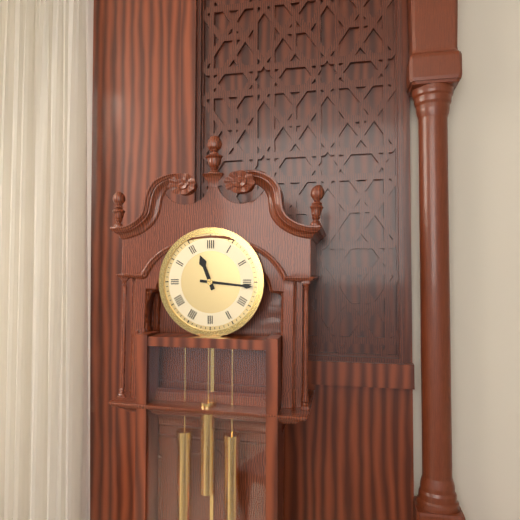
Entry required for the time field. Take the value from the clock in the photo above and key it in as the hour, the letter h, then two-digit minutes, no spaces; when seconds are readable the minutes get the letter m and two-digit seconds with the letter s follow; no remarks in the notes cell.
11h16
